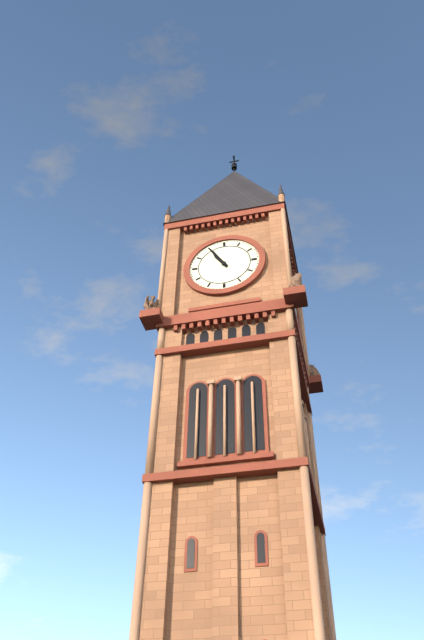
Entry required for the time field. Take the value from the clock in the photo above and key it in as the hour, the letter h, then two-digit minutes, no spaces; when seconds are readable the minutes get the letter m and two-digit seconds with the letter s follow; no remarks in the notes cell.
10h55
